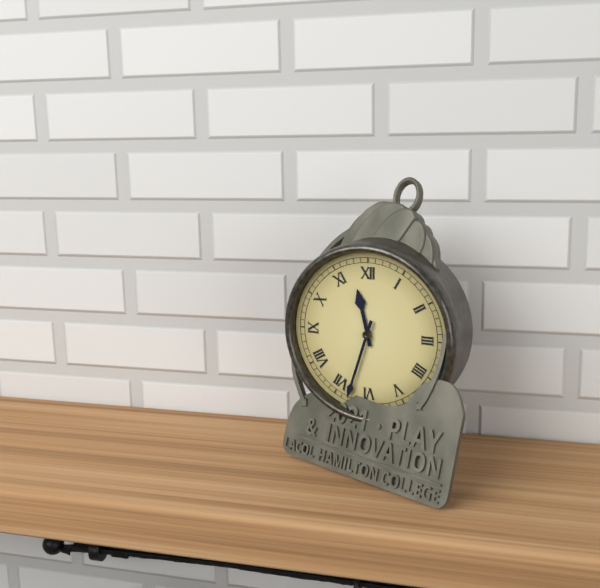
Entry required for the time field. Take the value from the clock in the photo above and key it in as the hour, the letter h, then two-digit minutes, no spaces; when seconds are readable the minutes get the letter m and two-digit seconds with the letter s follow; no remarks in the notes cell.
11h33
